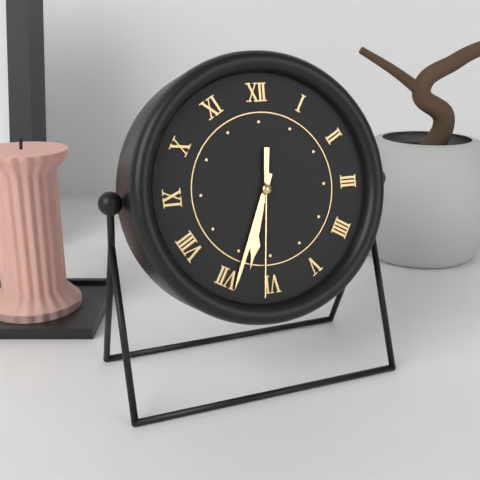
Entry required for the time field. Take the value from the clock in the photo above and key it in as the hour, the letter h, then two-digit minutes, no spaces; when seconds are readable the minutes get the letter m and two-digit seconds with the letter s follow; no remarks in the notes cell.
6h34m31s
